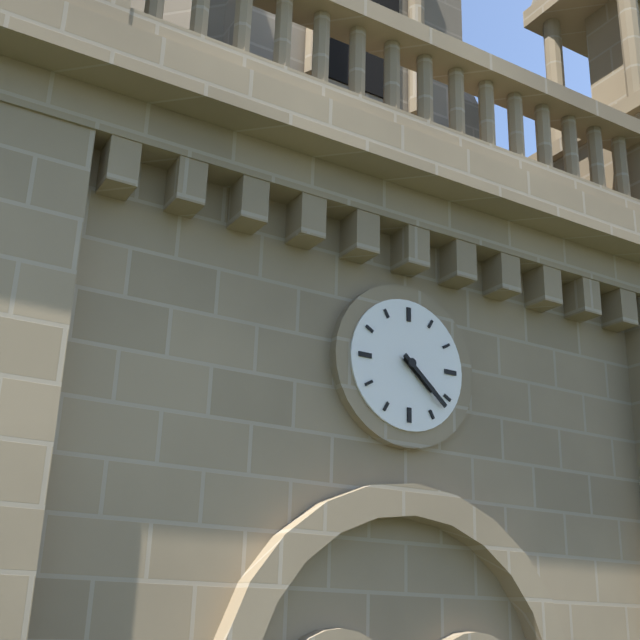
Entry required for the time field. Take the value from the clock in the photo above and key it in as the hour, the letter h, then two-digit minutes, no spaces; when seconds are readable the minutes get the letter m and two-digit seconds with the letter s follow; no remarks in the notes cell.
4h22
